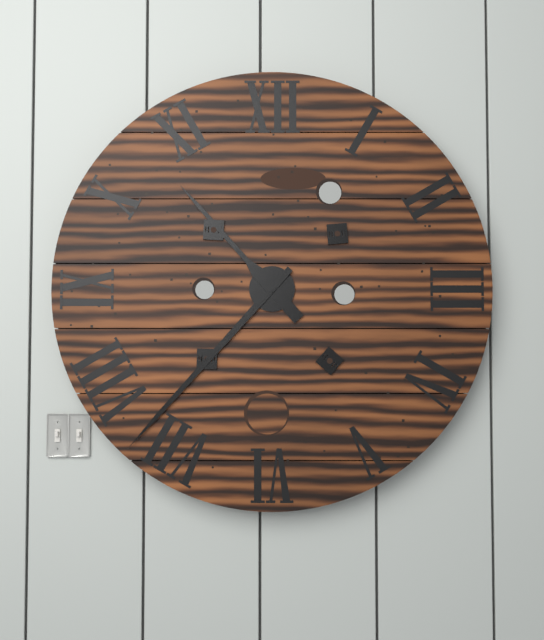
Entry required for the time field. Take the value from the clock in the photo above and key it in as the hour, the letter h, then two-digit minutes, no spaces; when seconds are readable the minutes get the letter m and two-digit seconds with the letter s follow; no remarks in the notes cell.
10h37
